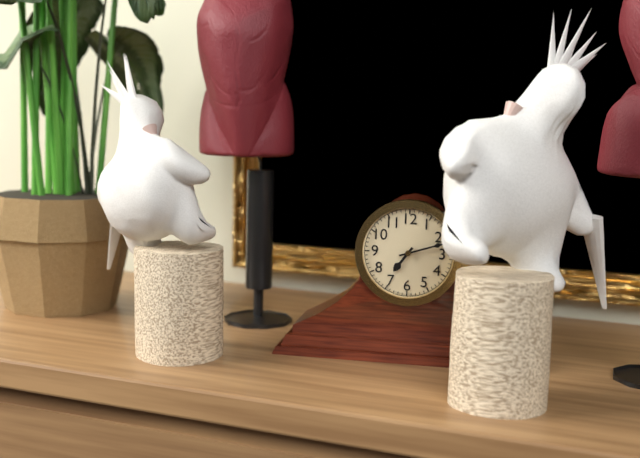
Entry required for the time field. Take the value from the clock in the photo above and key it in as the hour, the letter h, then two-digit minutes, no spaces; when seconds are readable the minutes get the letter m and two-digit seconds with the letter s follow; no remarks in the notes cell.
7h12
